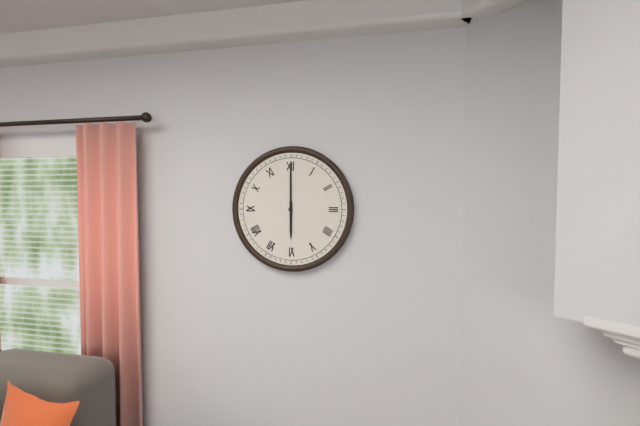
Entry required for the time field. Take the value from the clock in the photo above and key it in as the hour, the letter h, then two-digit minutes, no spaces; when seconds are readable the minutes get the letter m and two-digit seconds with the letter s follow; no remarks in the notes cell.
6h00
